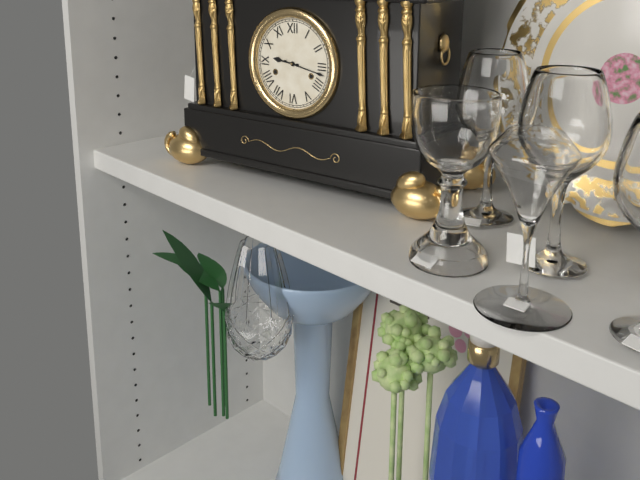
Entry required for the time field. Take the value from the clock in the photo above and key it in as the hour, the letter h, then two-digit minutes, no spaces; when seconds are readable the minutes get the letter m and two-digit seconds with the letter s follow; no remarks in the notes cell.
9h17
